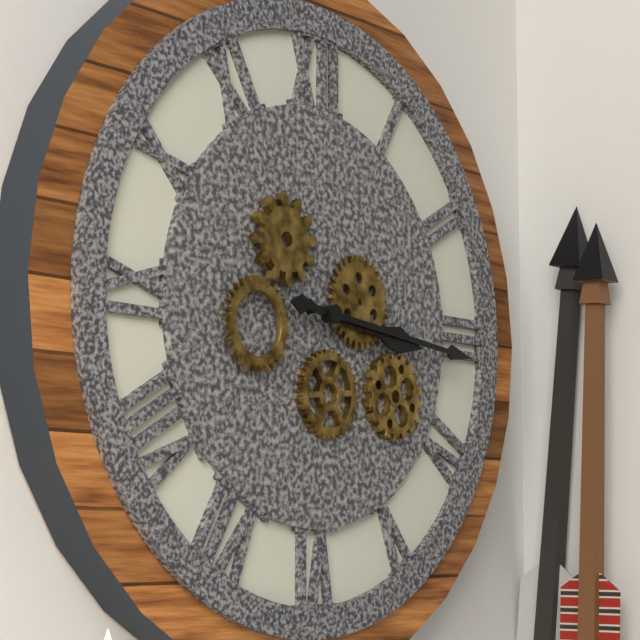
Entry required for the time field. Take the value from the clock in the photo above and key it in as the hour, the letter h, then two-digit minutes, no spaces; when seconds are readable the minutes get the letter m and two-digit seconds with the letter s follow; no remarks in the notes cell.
3h16
